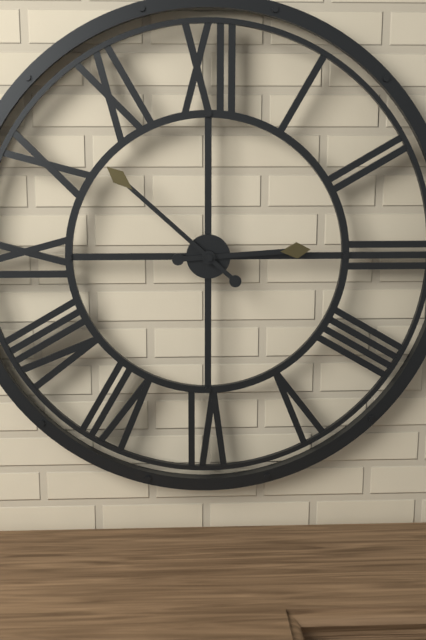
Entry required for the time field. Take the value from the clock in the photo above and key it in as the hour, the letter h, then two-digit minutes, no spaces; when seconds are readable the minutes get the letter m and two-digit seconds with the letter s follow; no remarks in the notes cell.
2h52
